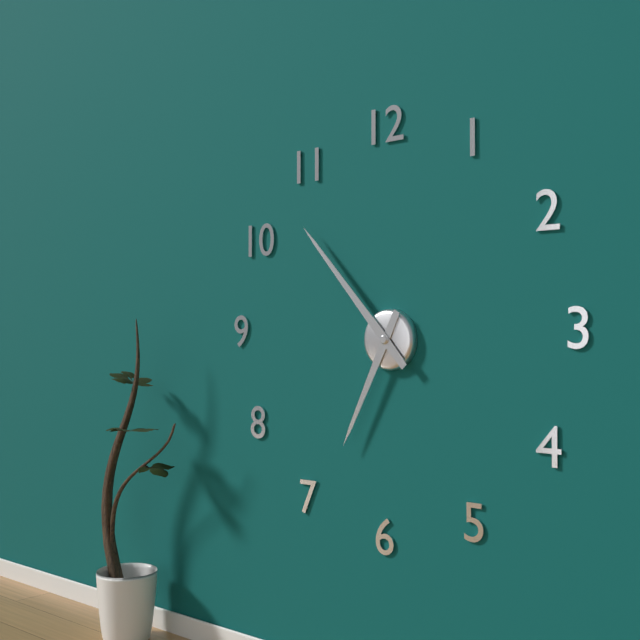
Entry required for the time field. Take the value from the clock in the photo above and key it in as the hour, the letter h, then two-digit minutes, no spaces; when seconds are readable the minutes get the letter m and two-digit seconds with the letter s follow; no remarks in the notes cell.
6h53
